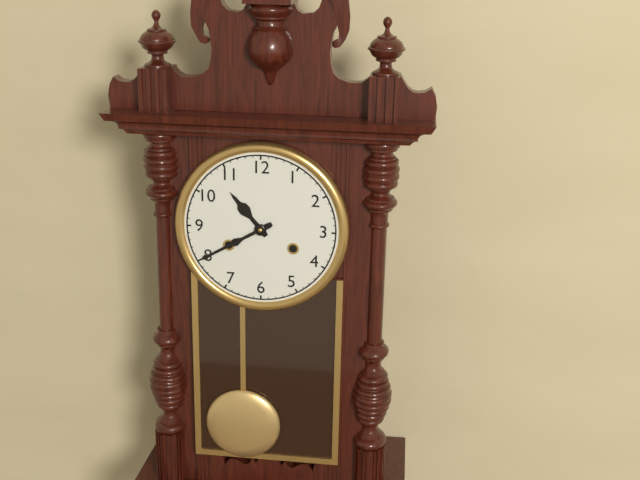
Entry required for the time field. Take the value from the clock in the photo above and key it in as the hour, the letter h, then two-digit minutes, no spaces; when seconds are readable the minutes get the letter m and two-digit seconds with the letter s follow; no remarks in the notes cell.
10h40
